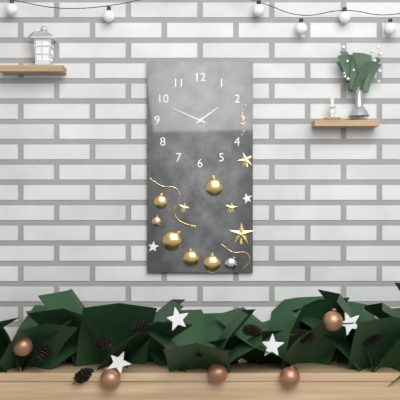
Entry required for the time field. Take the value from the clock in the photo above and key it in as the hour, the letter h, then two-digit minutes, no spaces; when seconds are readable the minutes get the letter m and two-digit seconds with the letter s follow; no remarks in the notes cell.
1h49
